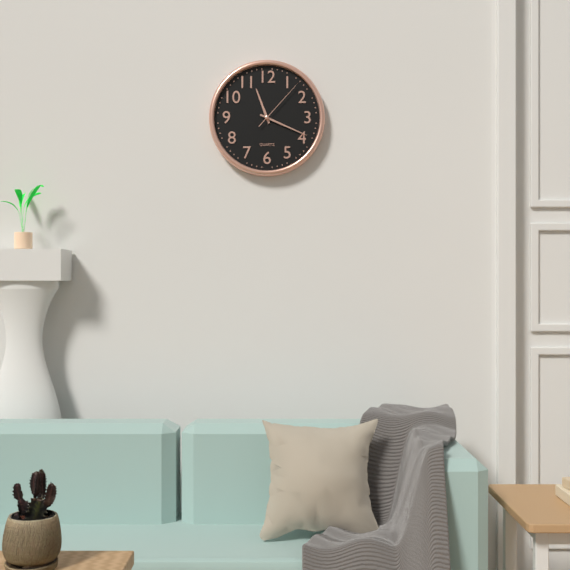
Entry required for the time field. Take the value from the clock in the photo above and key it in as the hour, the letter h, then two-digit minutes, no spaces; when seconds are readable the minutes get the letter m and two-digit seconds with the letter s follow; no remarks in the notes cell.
11h19m07s
